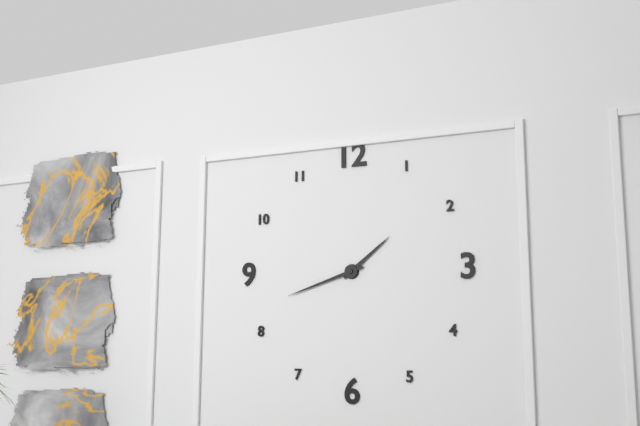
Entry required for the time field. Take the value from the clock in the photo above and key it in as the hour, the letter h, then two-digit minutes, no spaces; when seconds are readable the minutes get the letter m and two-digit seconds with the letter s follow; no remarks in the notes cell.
1h42
